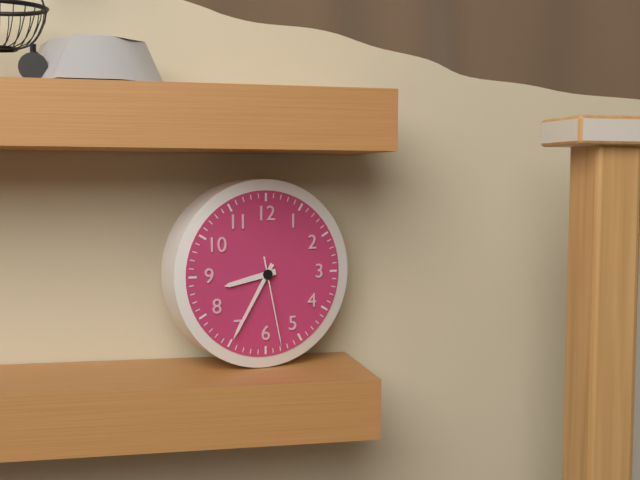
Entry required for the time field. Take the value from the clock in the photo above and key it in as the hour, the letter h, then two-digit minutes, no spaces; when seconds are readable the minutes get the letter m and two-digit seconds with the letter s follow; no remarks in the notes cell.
8h35m28s
